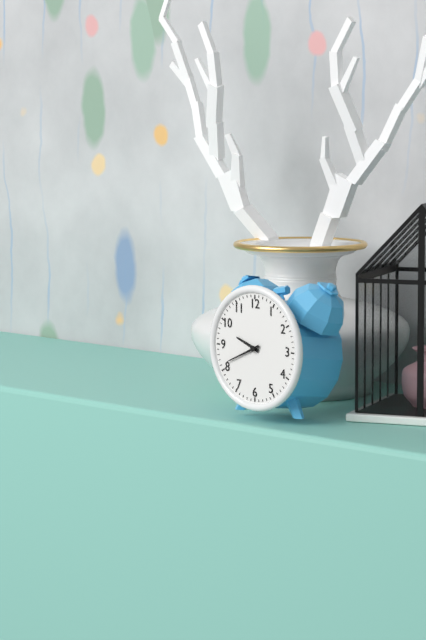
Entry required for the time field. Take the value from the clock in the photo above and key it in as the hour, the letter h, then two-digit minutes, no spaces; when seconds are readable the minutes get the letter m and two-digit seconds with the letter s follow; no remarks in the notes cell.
9h41
